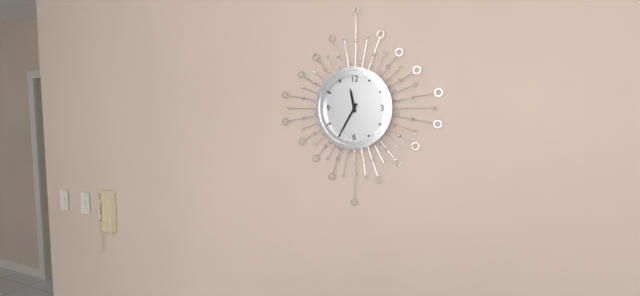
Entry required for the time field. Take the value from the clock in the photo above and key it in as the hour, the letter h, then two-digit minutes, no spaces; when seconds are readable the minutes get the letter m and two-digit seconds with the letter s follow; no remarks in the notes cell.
11h35
